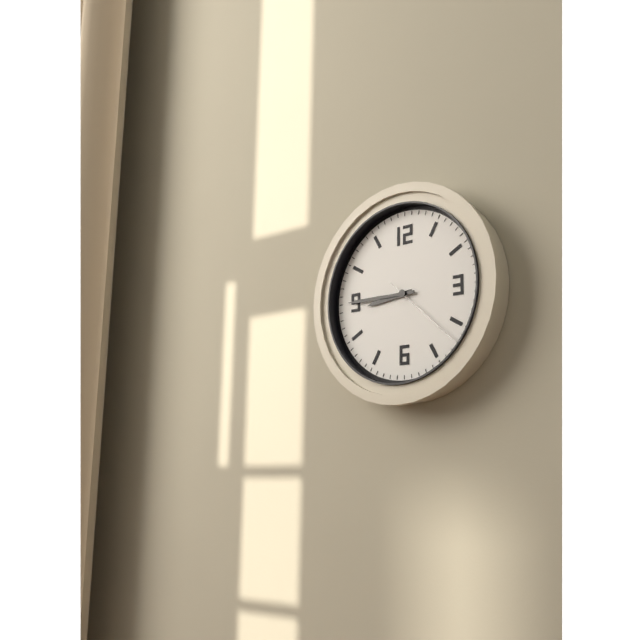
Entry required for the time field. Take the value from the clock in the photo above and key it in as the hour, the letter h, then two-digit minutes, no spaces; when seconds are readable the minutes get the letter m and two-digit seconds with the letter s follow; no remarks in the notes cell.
8h45m22s
